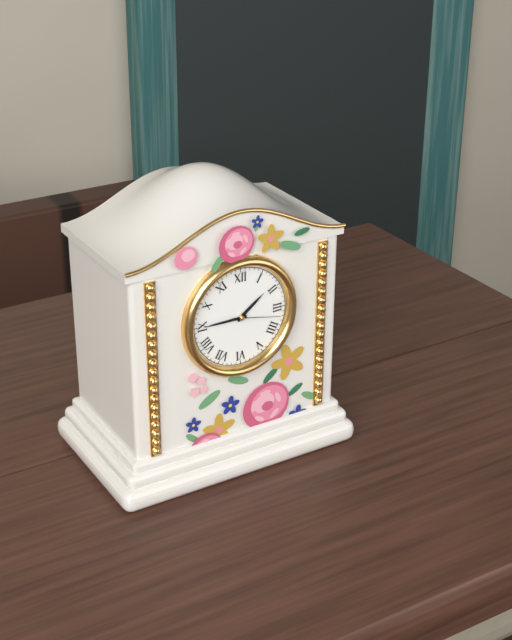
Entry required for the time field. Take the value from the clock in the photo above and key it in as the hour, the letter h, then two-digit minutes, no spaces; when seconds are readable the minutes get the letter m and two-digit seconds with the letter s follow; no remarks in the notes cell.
1h45
